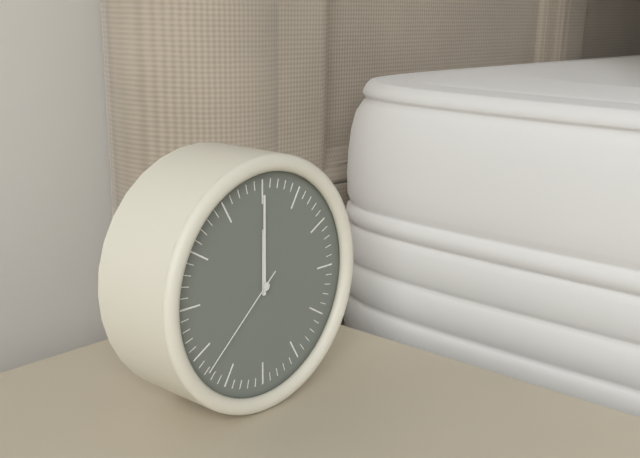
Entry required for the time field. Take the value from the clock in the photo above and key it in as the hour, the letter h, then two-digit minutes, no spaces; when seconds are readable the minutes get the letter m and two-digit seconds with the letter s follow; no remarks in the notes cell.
12h00m38s
